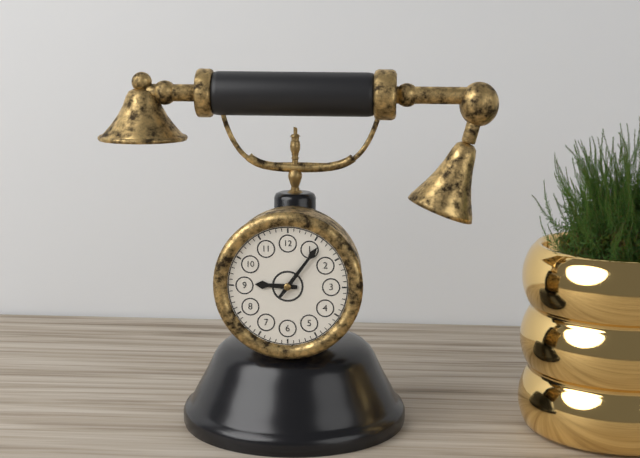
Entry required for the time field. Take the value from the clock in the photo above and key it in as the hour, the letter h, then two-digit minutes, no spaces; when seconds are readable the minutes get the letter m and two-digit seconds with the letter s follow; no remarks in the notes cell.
9h06
